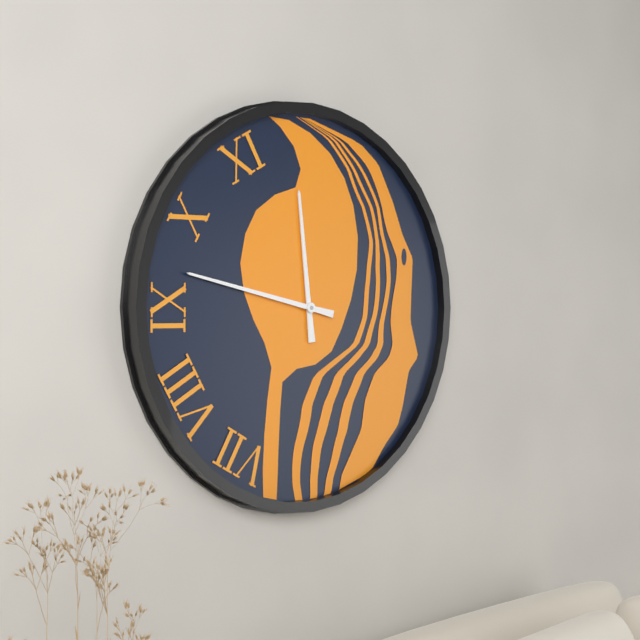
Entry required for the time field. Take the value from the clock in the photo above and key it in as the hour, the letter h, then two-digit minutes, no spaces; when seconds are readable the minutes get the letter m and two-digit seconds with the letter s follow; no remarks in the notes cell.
11h47
